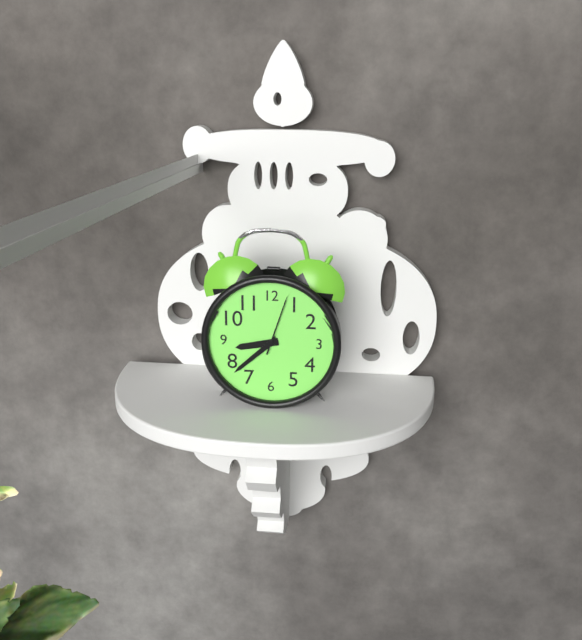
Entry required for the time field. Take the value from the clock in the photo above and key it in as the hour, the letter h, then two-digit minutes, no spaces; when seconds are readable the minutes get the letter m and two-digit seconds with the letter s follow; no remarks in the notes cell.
8h38m03s
